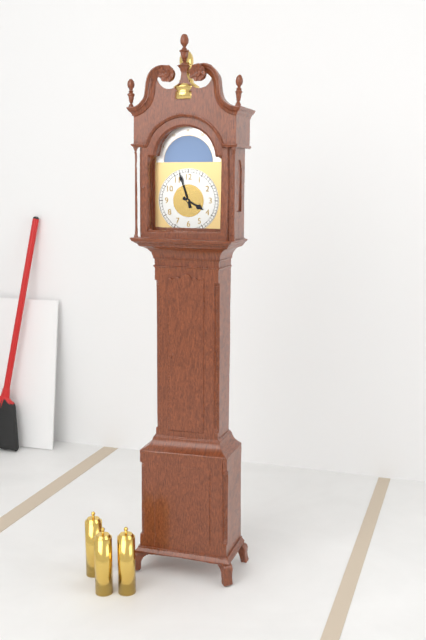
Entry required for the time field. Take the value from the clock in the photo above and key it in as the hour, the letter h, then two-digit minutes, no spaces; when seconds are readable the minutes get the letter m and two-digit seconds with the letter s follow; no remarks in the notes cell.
3h57
